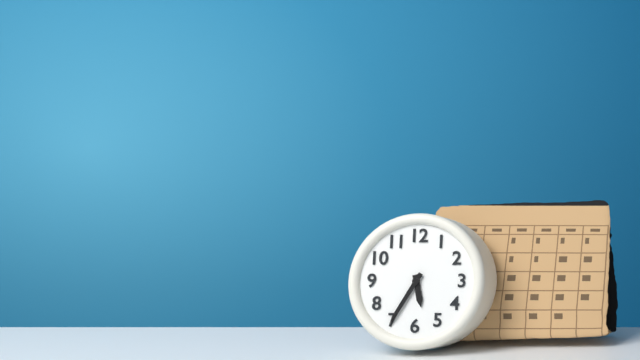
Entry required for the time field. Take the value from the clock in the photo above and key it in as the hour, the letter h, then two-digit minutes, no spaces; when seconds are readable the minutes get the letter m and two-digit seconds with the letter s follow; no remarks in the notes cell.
5h35
